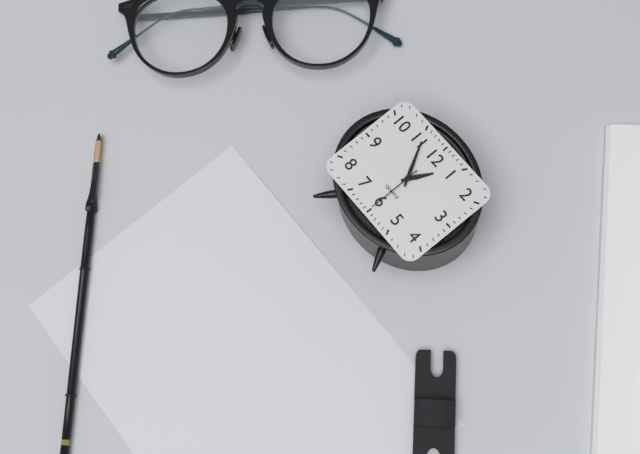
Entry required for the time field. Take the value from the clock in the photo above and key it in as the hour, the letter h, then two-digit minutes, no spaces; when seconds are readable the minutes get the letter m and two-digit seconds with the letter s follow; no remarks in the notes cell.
12h55m30s
